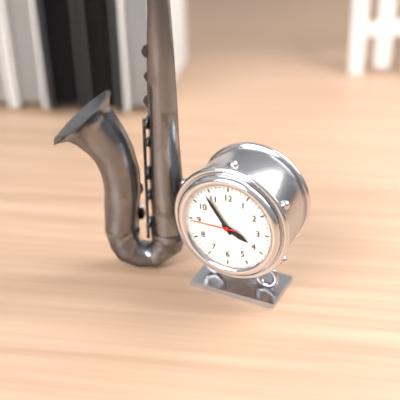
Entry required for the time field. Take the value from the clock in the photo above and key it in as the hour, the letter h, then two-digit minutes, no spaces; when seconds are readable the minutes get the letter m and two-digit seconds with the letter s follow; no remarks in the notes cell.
3h54
